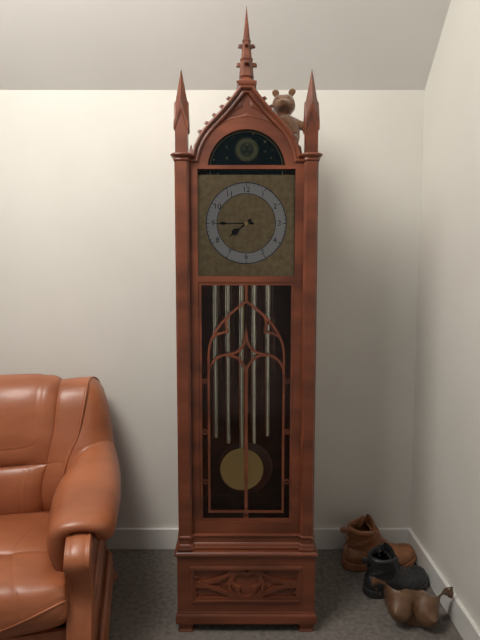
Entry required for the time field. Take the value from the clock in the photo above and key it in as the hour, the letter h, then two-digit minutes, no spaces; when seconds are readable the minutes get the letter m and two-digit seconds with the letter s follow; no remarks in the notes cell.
7h45
